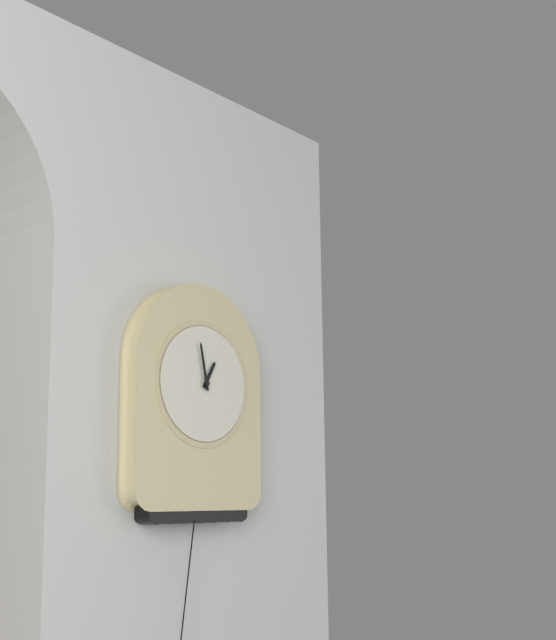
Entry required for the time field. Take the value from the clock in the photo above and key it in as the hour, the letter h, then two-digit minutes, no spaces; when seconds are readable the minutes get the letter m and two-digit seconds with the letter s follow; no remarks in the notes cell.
12h58
